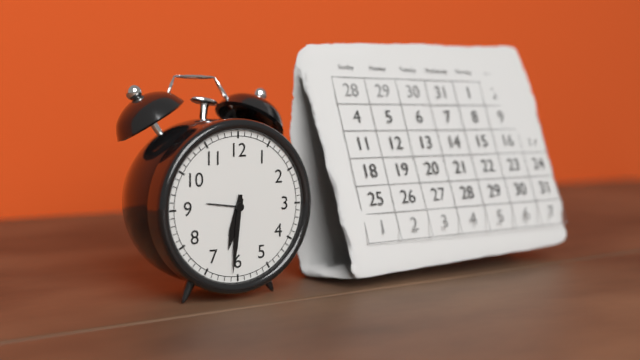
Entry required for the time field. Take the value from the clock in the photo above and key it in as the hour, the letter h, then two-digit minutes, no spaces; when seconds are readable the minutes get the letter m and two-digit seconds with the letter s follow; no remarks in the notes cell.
6h31
